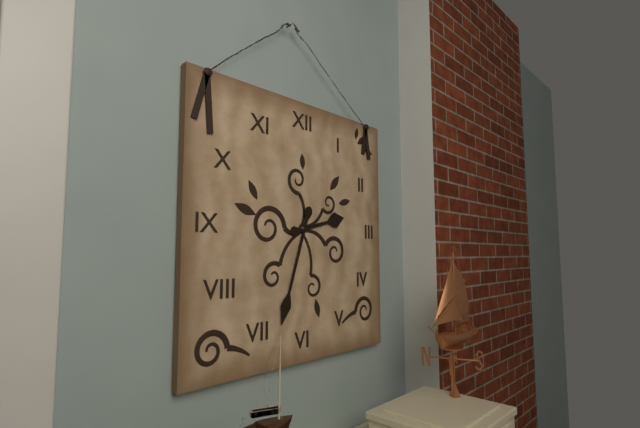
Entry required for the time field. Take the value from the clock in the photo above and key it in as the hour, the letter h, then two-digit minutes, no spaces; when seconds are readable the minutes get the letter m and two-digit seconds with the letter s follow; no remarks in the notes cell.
2h33
